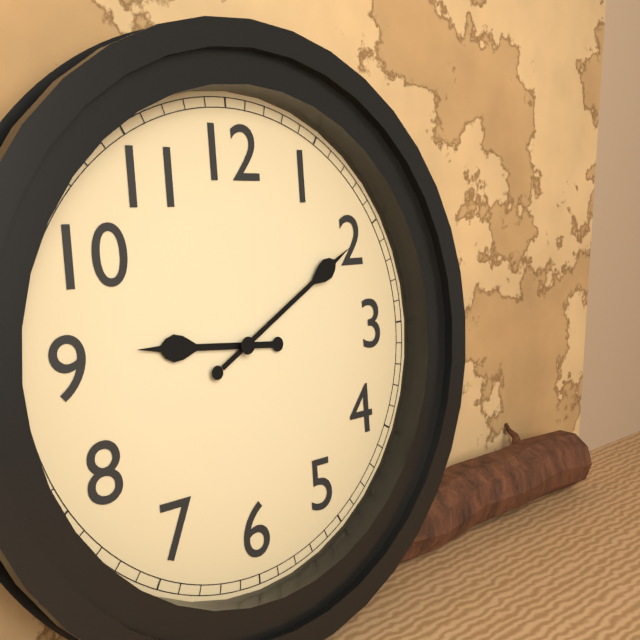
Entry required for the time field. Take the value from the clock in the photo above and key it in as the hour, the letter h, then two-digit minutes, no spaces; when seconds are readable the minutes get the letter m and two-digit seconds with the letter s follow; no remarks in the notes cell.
9h10
